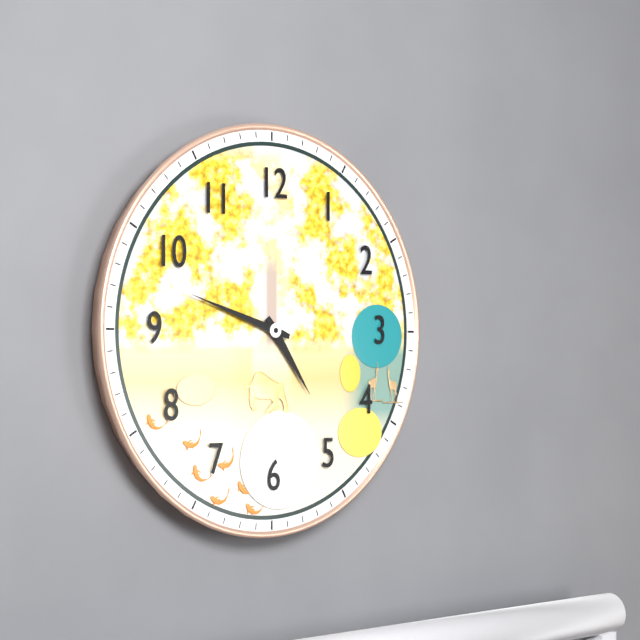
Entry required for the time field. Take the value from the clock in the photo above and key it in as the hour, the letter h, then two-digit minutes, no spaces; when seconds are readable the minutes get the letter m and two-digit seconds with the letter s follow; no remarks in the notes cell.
4h48
